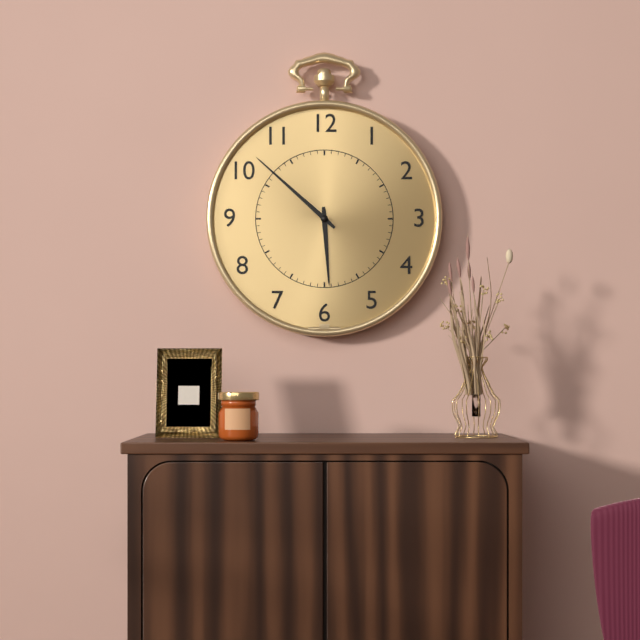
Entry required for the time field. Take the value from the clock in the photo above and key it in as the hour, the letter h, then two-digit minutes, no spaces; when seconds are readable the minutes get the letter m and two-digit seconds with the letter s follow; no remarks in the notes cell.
5h52
